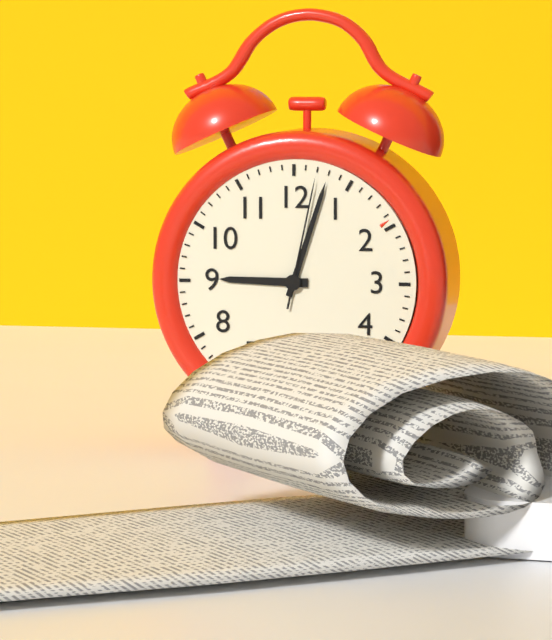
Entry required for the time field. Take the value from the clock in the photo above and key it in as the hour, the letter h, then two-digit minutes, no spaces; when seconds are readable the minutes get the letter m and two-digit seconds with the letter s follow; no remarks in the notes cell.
9h03m02s
